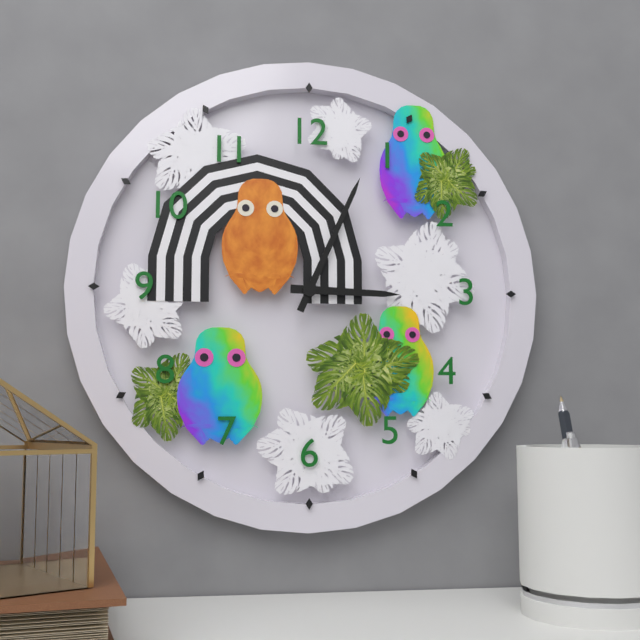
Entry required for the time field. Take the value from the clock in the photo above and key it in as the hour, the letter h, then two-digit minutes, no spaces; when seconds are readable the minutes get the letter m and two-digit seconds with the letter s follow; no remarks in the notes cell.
3h04
